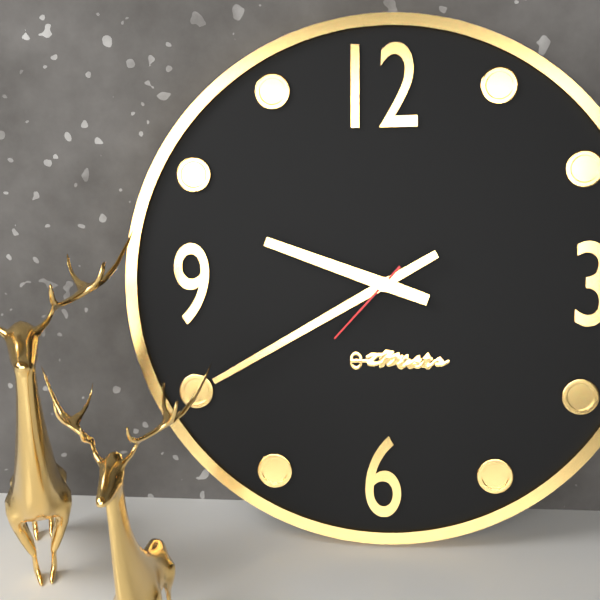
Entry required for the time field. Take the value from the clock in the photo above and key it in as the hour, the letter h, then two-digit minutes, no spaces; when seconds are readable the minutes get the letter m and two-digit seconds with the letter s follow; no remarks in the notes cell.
9h40m37s
